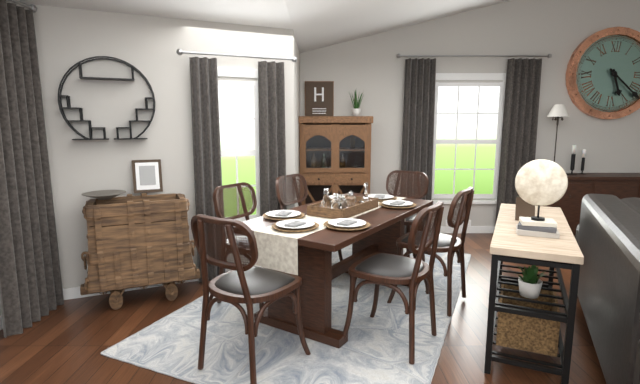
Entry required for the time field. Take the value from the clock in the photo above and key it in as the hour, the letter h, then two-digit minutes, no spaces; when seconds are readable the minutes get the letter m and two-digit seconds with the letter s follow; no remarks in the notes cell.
5h22
